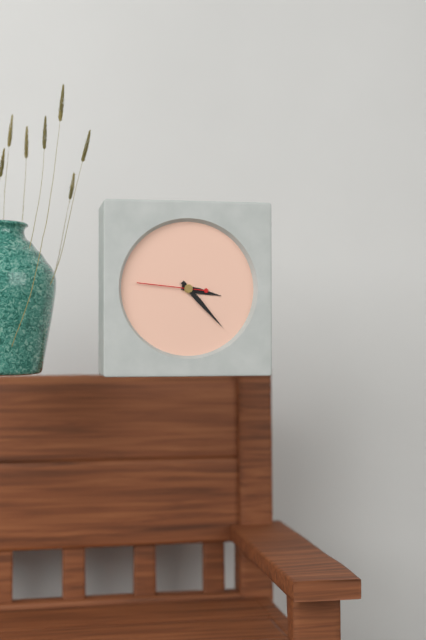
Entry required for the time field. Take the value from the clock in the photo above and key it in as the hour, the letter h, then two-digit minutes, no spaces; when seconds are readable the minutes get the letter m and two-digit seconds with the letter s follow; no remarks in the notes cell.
3h23m46s
